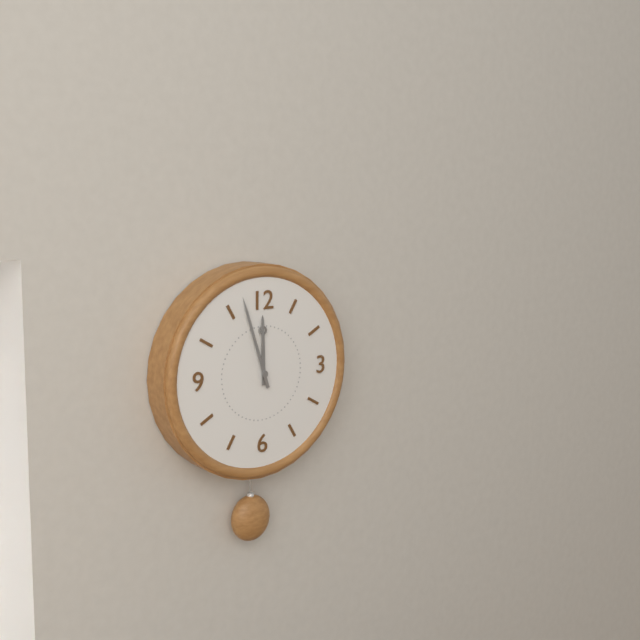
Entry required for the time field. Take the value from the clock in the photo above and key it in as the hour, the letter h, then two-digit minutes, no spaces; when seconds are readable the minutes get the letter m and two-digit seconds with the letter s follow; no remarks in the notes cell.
11h57
